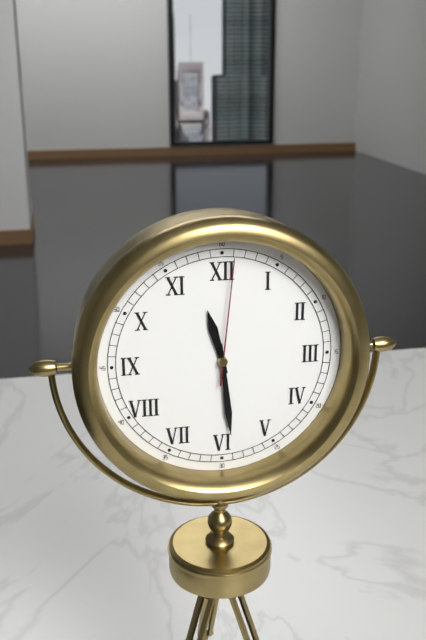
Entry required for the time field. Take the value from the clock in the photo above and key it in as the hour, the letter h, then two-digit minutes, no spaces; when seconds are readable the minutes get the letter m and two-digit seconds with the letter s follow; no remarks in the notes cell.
11h29m01s
